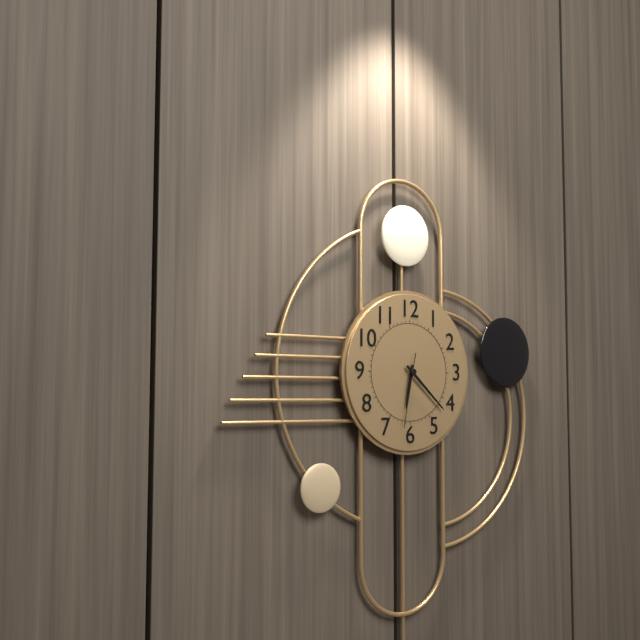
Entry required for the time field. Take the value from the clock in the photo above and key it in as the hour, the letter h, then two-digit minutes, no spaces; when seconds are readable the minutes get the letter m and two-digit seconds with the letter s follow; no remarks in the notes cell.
6h22m32s
